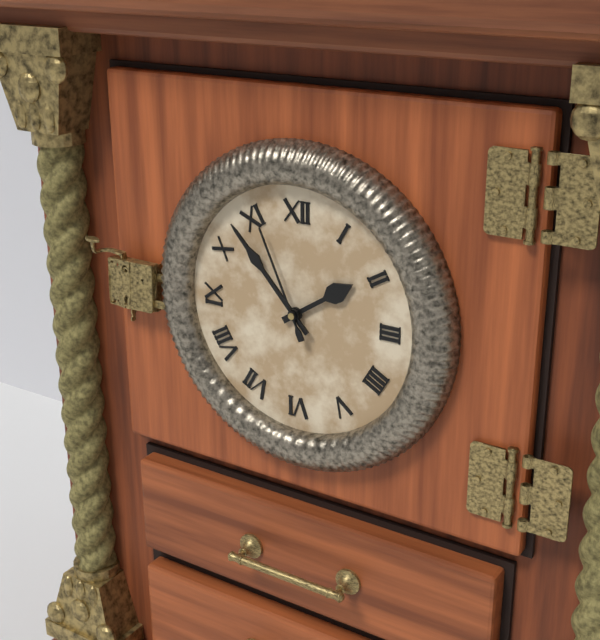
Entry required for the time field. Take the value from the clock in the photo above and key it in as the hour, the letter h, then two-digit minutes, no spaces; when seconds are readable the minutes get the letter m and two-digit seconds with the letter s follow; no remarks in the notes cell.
1h53m56s
